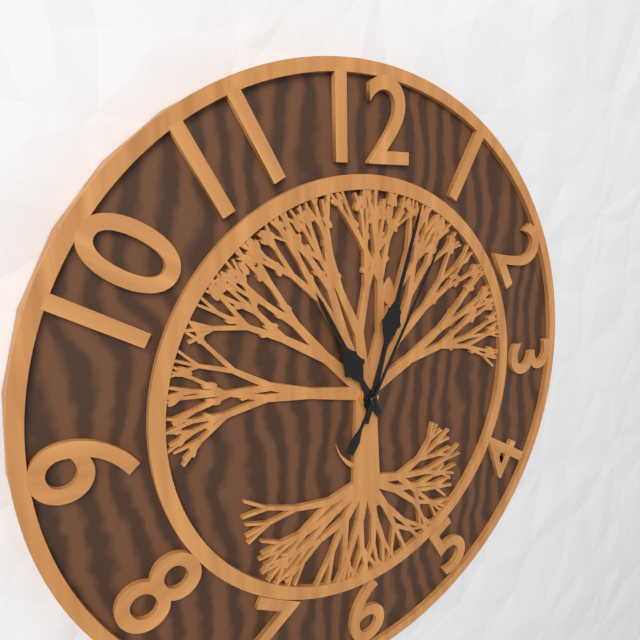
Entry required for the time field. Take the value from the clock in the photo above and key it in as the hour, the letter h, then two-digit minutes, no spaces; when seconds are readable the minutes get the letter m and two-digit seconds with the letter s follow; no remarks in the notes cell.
11h03m05s
